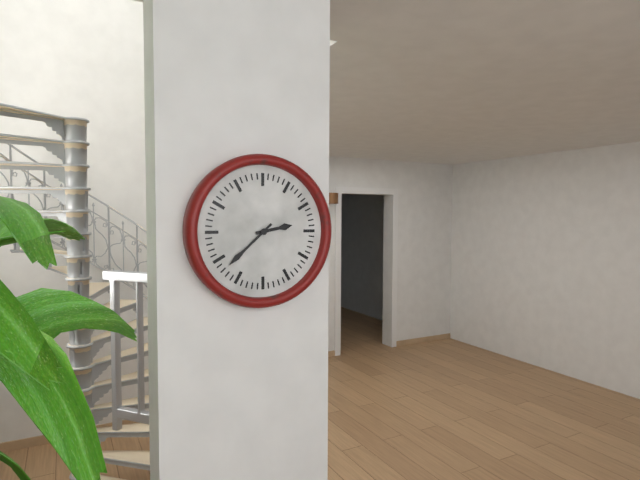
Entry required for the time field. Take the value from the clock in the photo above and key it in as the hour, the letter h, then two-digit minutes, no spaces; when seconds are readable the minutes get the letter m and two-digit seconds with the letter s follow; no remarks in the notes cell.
2h38
